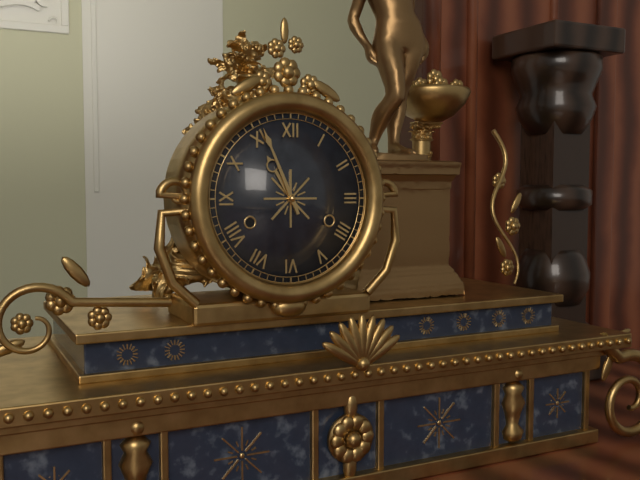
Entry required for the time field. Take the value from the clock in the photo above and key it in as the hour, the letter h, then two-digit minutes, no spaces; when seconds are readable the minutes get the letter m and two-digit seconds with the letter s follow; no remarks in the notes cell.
10h56
